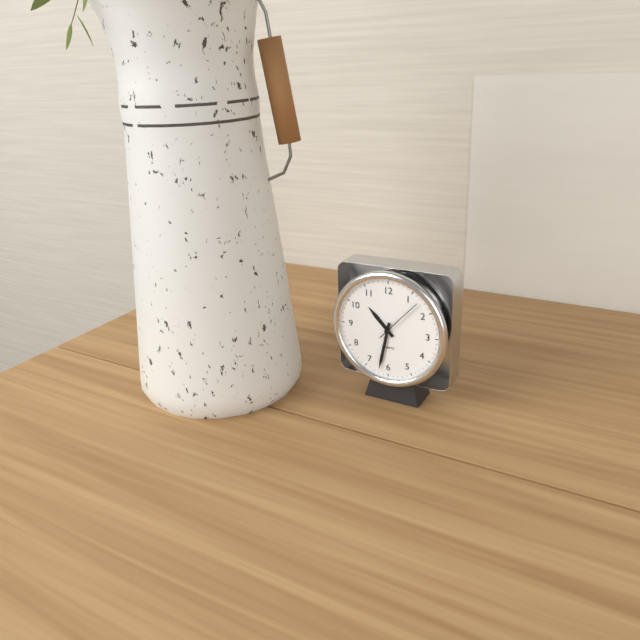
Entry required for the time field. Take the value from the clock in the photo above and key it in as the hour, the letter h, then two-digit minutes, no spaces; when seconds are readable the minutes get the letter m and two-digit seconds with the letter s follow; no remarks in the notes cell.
10h32m07s
